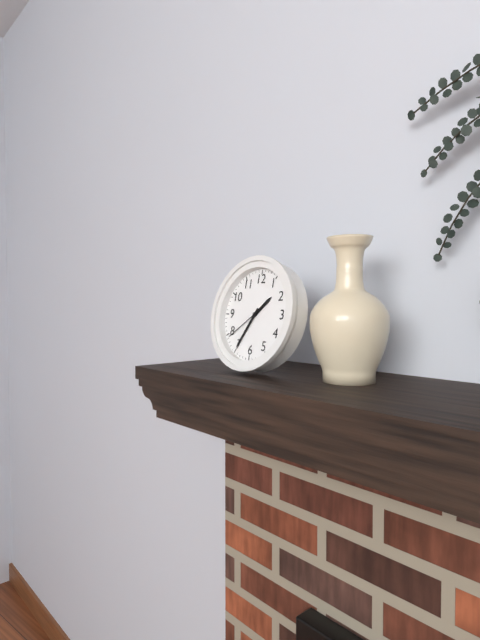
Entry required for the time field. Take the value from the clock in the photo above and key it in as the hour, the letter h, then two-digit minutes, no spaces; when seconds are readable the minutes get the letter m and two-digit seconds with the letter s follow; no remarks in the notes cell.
1h35
